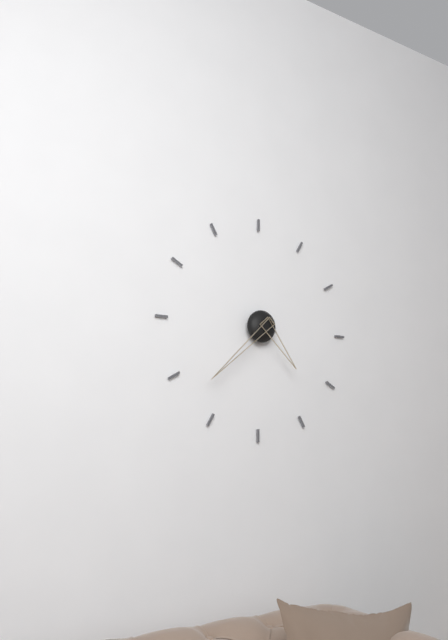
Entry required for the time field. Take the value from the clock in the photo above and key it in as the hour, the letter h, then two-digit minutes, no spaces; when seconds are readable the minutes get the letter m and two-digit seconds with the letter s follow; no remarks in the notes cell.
4h38
